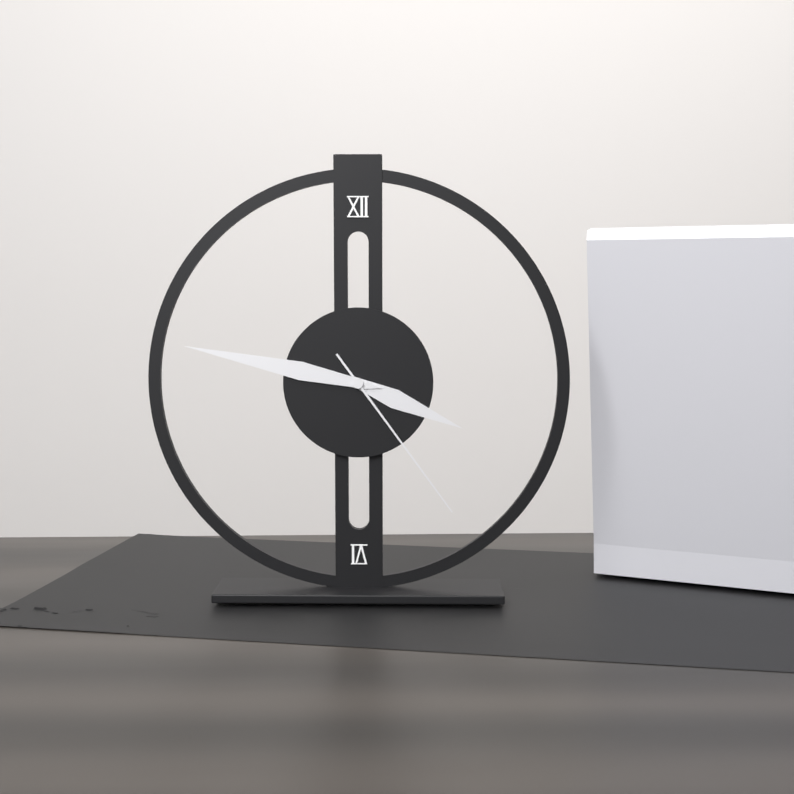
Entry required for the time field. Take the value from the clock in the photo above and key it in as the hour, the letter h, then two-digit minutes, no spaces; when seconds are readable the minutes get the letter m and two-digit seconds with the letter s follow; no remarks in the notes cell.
3h47m24s
